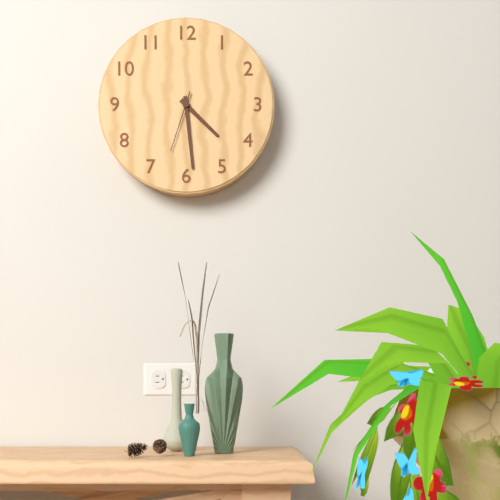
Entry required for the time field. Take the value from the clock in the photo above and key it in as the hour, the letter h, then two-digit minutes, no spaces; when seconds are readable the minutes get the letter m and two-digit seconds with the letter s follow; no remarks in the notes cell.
4h29m33s
